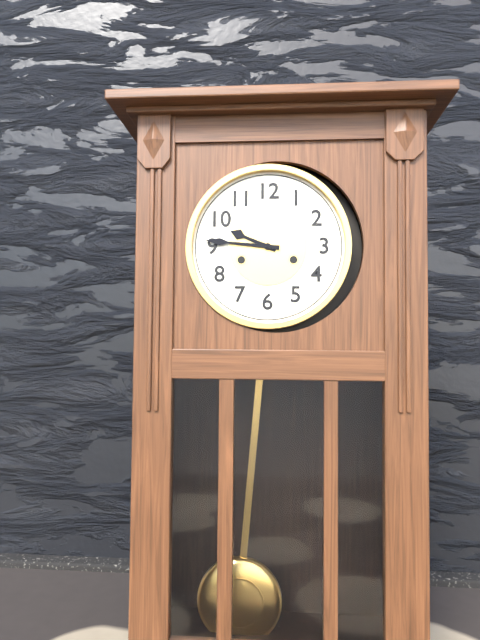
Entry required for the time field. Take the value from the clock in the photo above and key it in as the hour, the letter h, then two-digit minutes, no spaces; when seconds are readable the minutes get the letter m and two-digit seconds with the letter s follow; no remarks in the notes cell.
9h46
